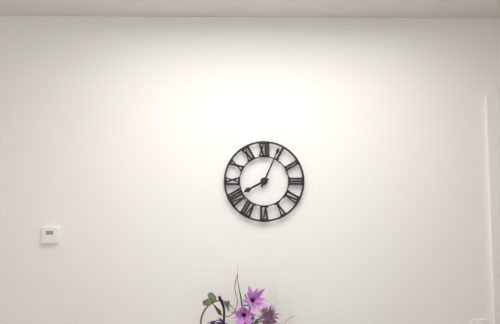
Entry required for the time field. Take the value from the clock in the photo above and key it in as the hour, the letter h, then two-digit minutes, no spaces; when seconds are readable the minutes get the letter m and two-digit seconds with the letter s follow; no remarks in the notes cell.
8h04
